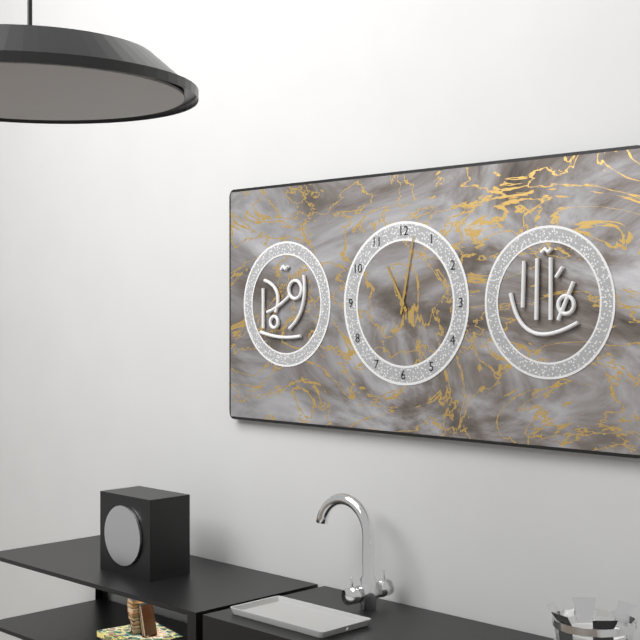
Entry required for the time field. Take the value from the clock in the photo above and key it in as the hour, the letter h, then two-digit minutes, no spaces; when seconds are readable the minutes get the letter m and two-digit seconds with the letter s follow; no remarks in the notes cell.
11h02
